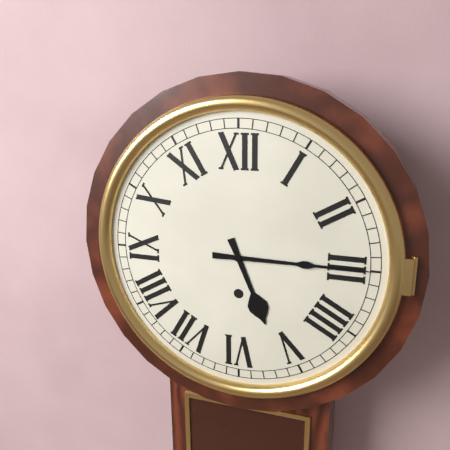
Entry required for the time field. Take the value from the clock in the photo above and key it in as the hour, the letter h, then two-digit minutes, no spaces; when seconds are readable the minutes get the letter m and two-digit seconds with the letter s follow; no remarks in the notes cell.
5h15
